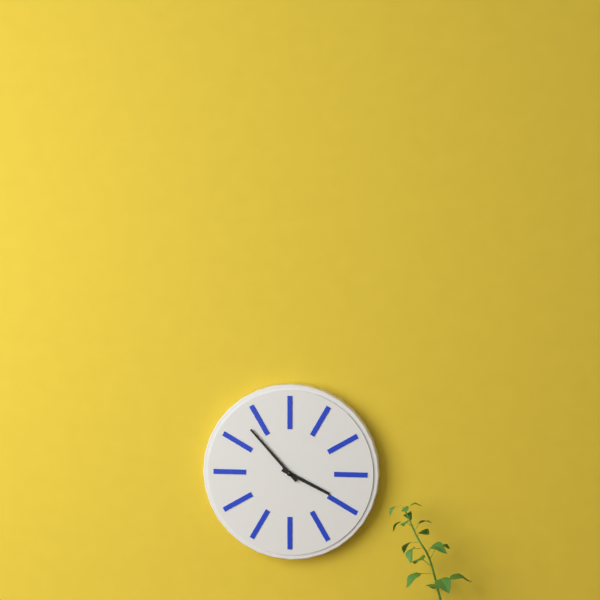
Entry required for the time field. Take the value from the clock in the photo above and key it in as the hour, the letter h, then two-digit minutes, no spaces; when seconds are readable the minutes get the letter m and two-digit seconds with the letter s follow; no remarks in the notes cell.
3h53
